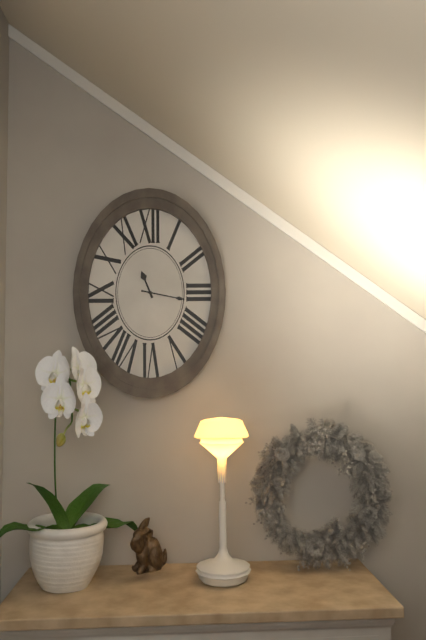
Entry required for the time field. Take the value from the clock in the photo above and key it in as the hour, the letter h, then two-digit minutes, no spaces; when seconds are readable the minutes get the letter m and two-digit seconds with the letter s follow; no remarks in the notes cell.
11h17
